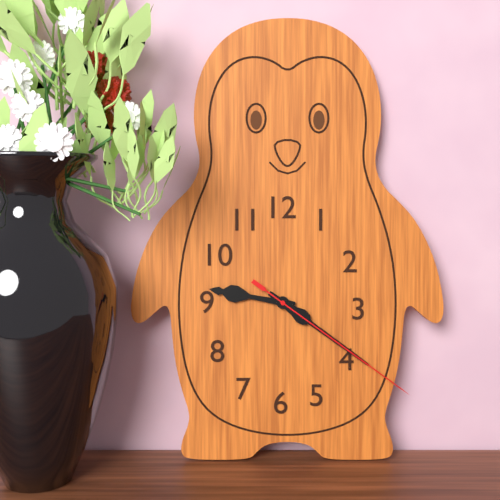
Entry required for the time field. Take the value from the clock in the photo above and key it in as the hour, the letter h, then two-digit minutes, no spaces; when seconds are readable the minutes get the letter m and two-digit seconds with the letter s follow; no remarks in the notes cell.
9h21m21s
